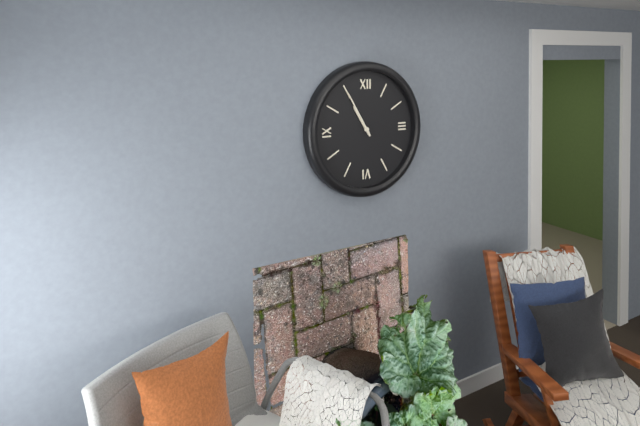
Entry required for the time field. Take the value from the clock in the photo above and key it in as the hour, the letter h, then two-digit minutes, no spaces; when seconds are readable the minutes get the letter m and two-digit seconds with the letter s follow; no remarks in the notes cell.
10h55
